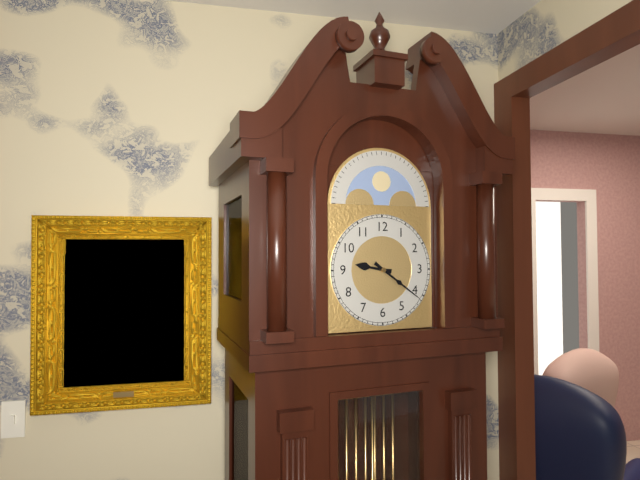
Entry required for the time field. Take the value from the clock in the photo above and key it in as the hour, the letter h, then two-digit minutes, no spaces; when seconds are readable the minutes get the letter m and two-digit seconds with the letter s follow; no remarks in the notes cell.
9h21
